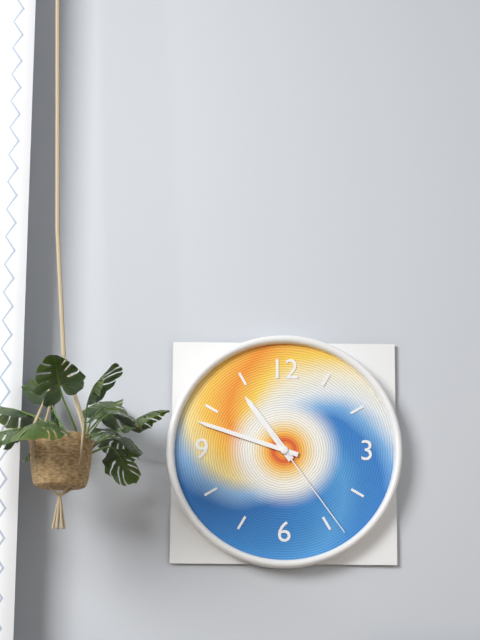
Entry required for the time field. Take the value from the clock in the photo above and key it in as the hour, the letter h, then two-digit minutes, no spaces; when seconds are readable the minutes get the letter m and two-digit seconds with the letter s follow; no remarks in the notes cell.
10h48m24s
